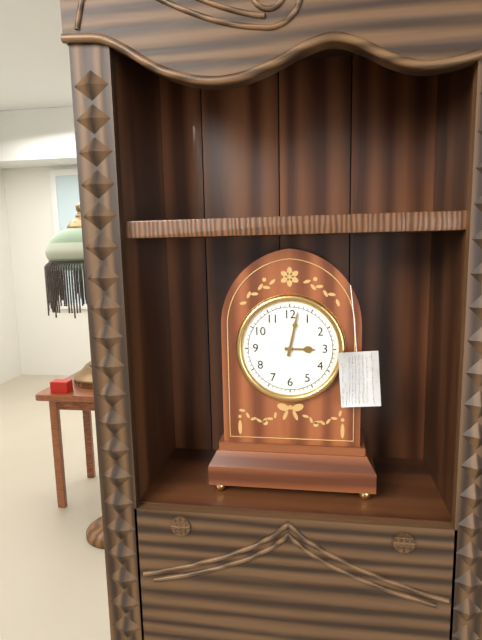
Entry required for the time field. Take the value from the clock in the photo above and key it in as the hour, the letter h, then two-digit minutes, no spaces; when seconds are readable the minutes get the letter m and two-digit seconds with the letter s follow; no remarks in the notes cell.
3h02
